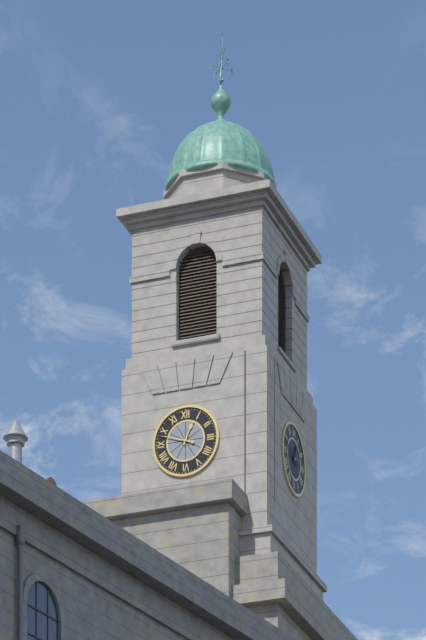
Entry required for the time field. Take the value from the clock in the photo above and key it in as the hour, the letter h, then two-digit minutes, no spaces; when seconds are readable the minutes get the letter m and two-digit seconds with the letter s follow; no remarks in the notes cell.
12h48
